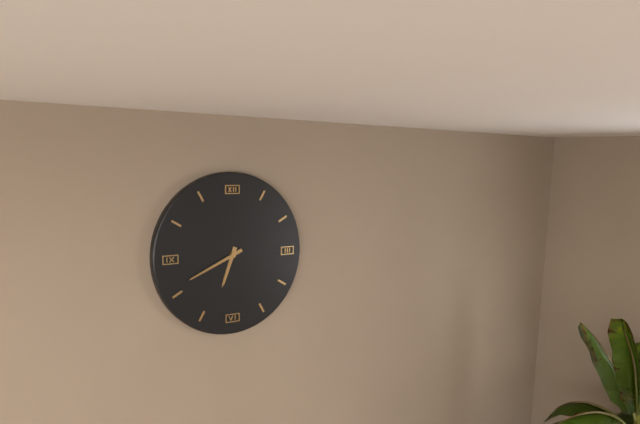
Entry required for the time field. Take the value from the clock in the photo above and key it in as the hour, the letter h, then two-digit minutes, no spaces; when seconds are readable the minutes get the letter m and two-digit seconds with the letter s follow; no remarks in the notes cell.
6h41
